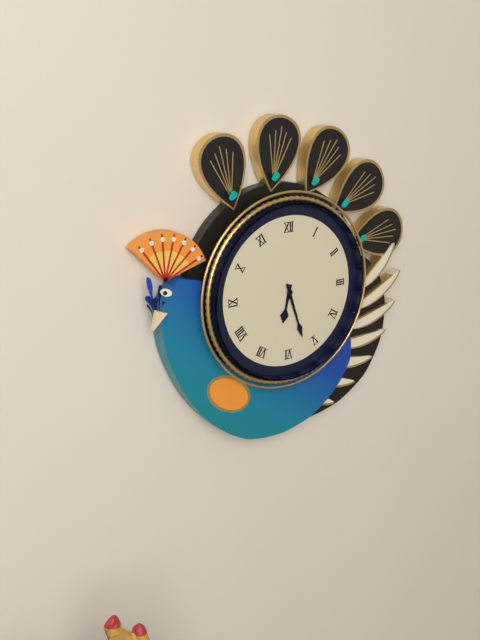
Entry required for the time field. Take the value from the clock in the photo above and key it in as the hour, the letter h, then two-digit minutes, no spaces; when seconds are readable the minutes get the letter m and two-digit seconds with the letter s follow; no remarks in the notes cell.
6h27
